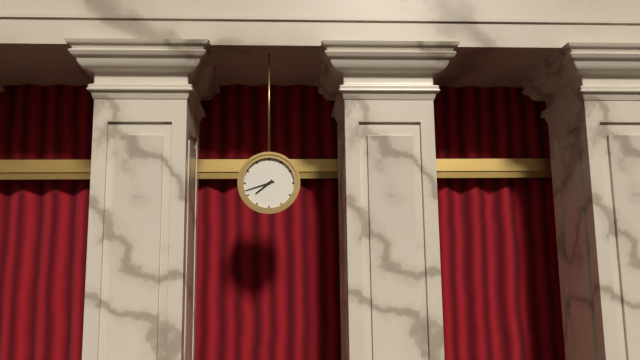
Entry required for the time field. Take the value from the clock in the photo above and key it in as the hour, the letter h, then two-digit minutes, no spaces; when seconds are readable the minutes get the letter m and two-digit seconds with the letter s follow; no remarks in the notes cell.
7h42
